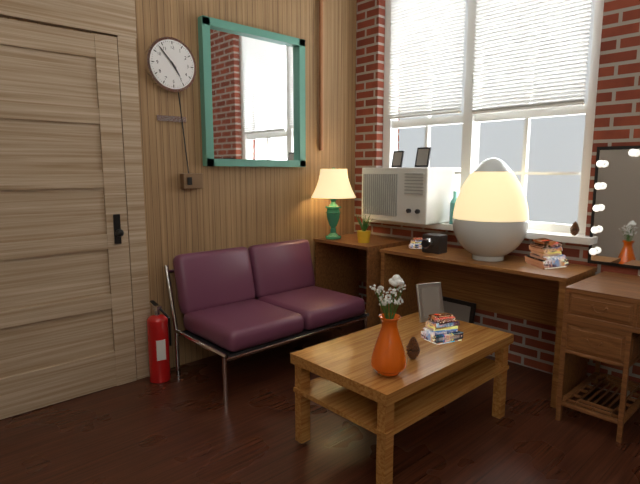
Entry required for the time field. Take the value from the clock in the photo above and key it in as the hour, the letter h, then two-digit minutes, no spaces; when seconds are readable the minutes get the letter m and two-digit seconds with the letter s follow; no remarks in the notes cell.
4h53
